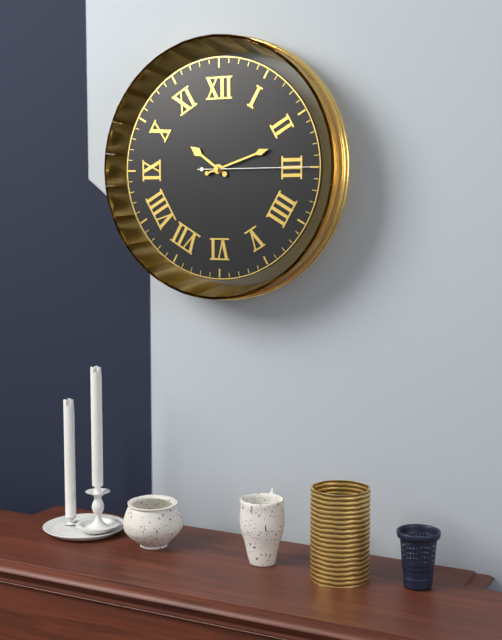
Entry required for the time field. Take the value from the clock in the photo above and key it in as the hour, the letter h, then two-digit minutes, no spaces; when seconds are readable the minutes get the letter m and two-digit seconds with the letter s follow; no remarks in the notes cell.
10h12m15s
